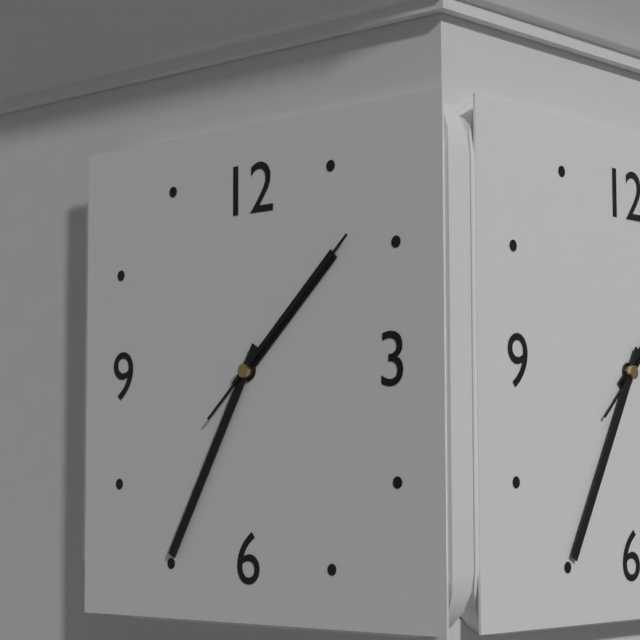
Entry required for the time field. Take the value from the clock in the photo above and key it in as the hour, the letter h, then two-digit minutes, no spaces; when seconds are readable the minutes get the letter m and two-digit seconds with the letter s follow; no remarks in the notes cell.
1h35m08s
